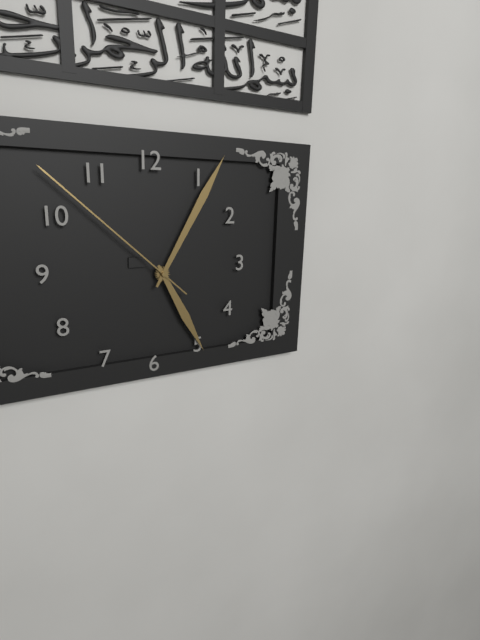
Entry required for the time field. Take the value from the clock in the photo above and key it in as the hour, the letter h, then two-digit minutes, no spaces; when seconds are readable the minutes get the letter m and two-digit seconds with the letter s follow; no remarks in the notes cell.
5h05m52s
